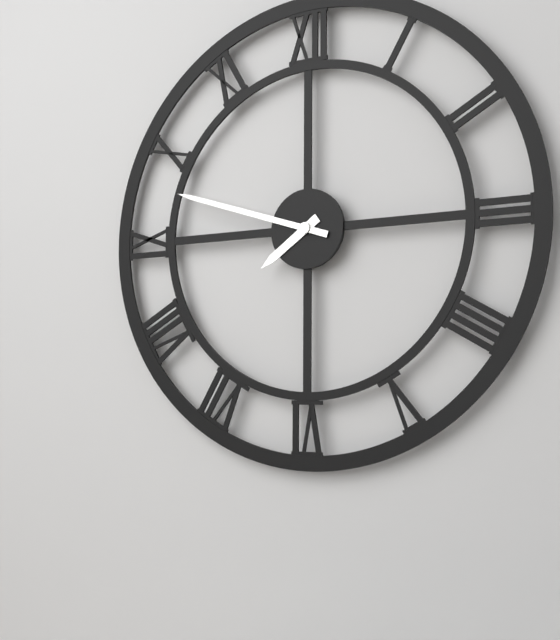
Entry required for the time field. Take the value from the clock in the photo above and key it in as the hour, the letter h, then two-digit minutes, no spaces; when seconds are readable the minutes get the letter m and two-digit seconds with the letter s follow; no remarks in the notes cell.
7h48
